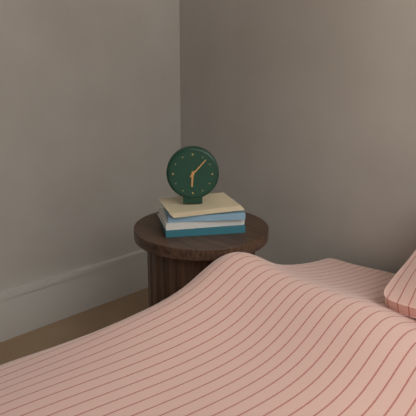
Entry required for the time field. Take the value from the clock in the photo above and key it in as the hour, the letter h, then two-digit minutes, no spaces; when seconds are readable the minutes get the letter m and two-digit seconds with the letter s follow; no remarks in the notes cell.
6h07
